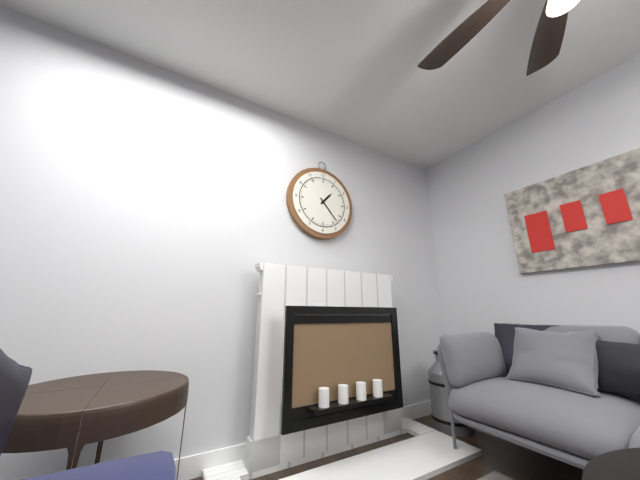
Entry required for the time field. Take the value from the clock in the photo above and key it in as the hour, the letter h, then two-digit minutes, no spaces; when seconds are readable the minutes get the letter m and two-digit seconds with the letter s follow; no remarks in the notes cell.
1h23
